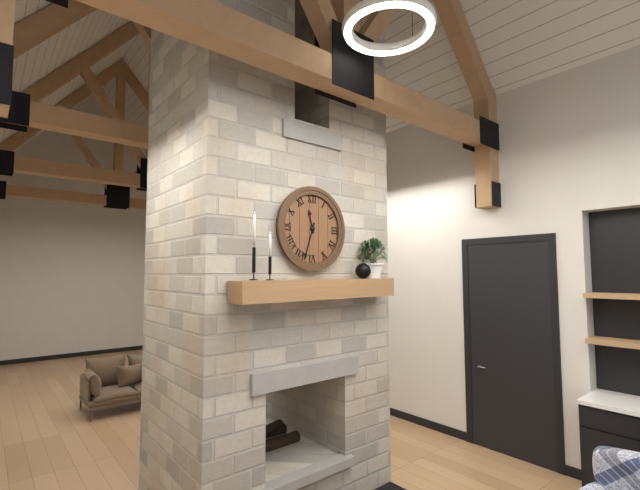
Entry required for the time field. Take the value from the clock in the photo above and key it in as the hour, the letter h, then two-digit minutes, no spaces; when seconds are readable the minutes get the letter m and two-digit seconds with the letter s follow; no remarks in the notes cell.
11h33
